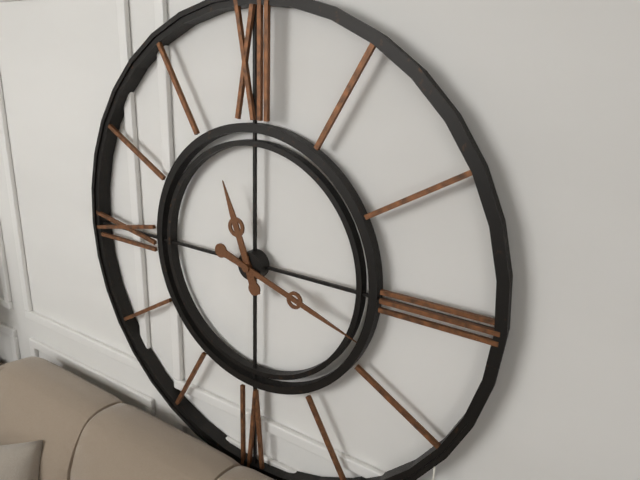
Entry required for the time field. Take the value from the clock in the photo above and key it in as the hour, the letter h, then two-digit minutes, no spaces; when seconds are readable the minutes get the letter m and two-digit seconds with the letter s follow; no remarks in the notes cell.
11h18
